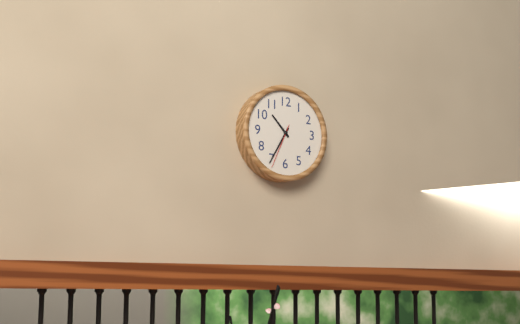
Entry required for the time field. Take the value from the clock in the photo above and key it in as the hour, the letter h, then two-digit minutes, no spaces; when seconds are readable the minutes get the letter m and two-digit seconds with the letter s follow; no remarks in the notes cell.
10h35
